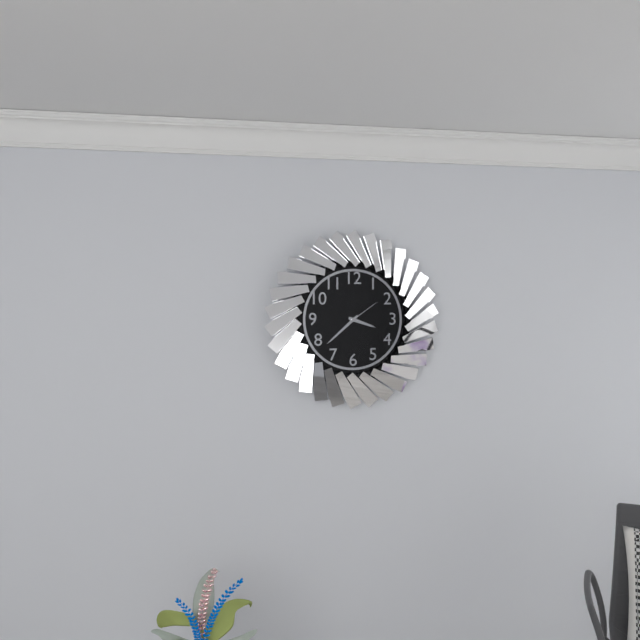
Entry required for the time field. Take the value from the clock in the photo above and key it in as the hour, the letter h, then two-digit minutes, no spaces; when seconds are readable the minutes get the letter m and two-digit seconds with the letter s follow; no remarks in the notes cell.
3h38
